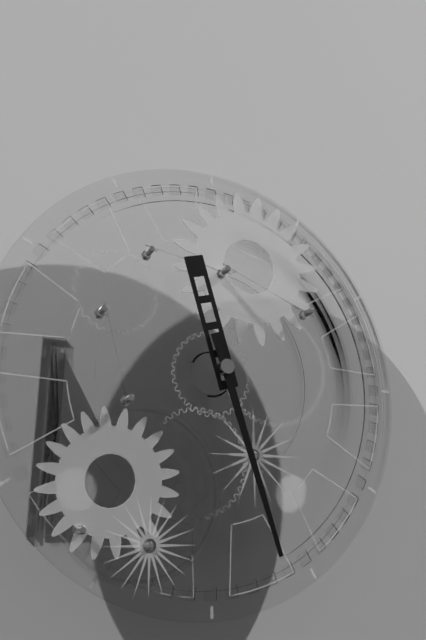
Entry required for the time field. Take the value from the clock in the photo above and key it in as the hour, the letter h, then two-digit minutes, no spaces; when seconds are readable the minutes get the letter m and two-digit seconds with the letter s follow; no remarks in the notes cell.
11h27
